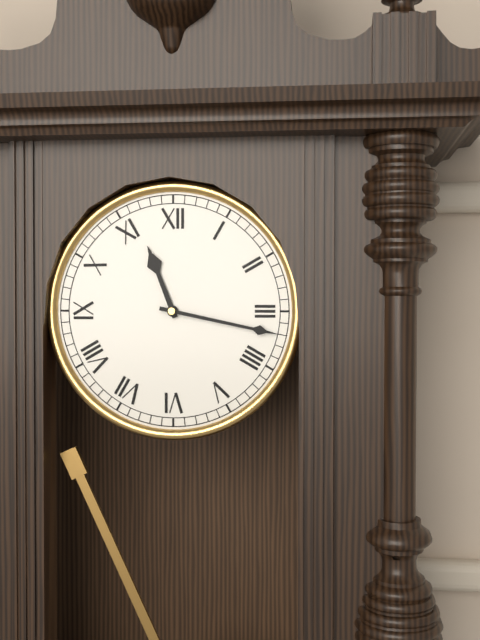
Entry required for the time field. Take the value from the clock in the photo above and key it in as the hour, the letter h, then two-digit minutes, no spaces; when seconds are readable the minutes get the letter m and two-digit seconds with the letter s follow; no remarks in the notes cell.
11h17
